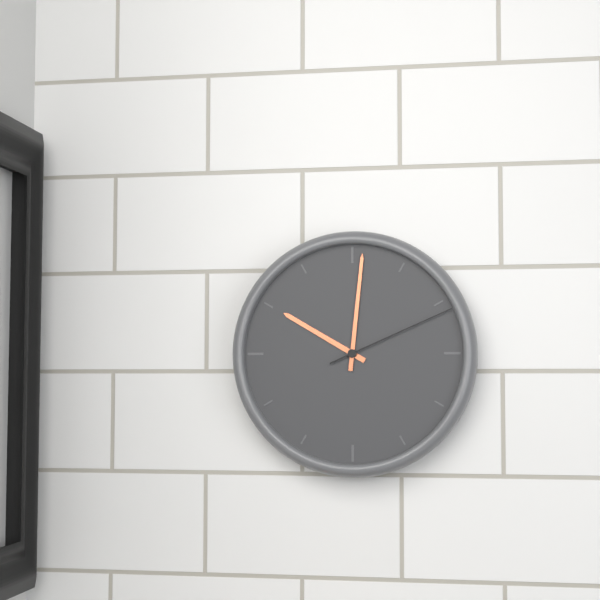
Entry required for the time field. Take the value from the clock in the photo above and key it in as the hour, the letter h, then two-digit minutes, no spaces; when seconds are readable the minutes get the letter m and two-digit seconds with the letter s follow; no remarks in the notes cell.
10h01m11s
